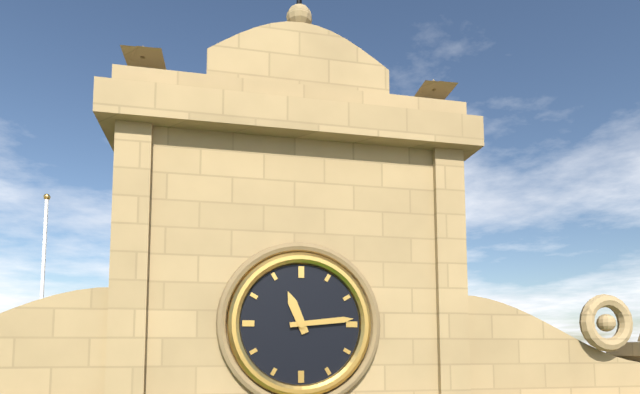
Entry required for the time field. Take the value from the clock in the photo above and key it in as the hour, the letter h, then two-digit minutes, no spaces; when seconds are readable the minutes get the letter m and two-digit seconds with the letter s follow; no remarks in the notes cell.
11h14
